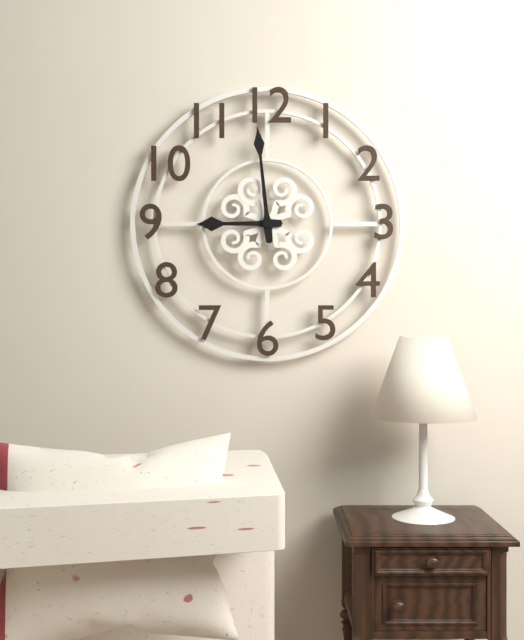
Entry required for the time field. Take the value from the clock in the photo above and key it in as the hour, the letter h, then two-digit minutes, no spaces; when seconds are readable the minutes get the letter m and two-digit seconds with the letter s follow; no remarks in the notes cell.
8h59
